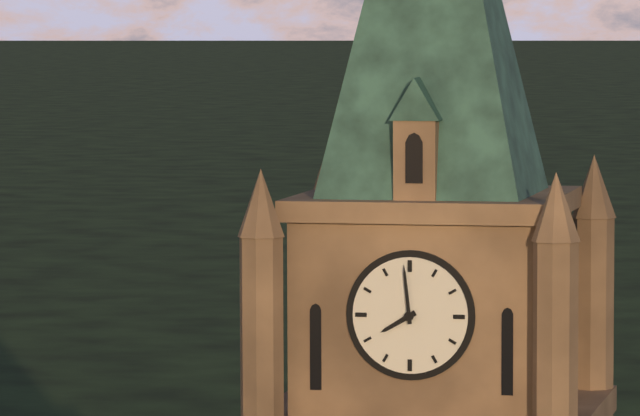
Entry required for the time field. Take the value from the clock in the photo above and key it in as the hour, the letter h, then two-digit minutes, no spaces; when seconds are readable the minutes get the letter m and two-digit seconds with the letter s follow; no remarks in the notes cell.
7h59
